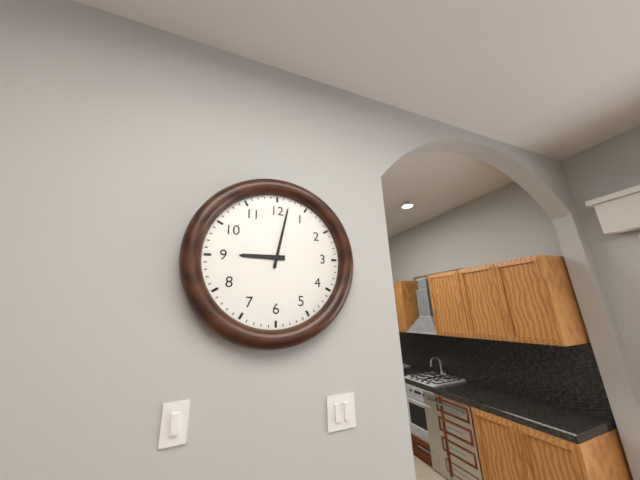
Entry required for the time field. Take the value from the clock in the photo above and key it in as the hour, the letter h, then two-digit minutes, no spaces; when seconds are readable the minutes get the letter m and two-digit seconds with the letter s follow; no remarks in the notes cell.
9h02
